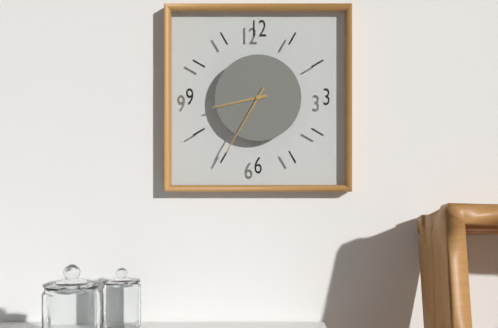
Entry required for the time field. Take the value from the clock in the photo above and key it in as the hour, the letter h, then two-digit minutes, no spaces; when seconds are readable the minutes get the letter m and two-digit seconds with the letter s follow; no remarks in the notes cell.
8h35
